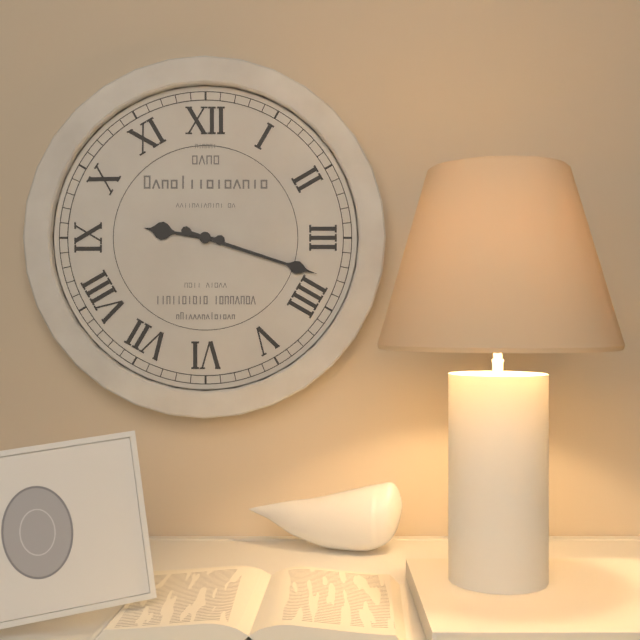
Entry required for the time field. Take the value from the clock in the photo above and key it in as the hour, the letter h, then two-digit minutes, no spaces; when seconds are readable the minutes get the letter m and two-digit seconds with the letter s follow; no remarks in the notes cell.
9h18
